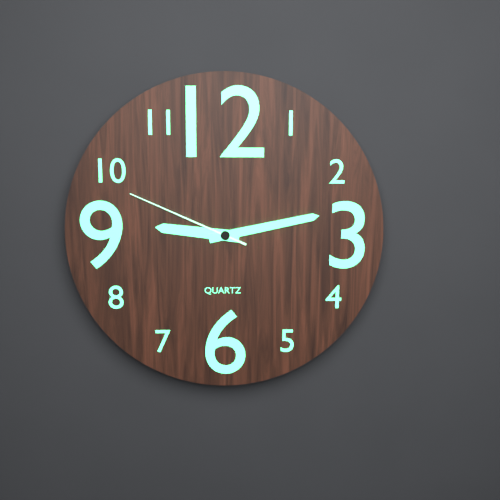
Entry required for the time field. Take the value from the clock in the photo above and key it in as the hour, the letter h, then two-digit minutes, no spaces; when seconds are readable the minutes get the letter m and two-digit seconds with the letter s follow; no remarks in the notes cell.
9h13m49s
